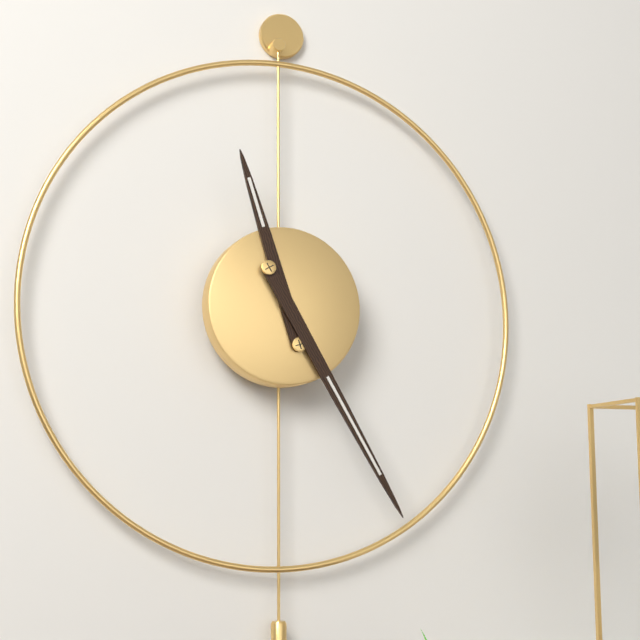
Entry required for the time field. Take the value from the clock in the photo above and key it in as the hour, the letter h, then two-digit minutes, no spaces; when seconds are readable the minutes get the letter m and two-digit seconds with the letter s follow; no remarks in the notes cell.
11h25
